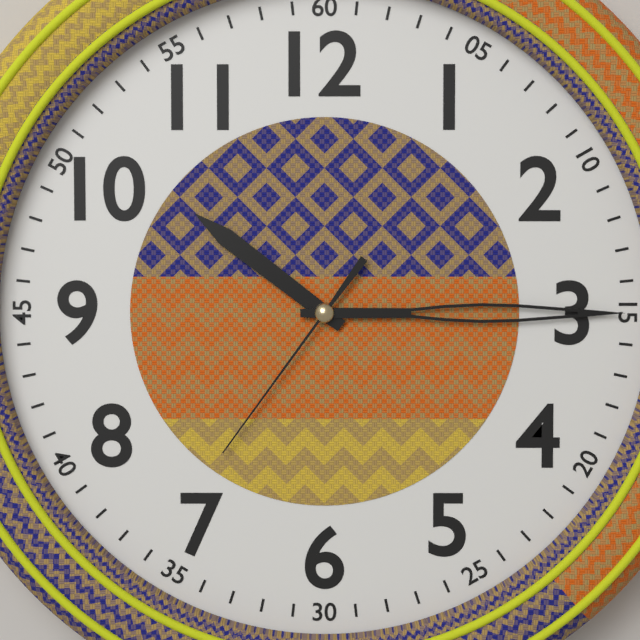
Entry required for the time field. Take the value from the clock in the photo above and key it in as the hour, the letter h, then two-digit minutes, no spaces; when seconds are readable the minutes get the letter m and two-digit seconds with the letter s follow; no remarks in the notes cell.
10h15m36s
